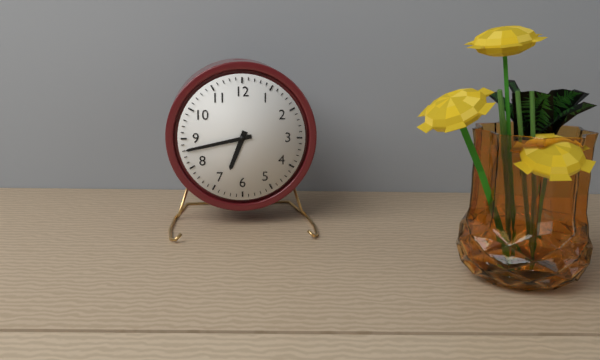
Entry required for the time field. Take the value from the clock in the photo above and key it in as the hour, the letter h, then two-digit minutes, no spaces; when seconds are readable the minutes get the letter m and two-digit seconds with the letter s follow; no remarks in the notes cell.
6h43
